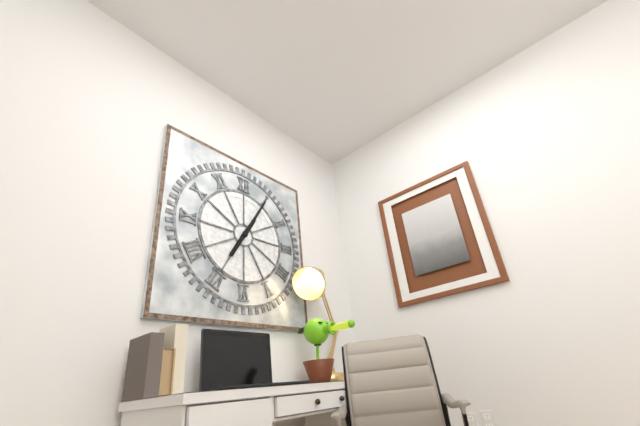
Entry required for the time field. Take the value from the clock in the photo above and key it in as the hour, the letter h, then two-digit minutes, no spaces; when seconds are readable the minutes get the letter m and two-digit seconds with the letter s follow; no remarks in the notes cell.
7h05
